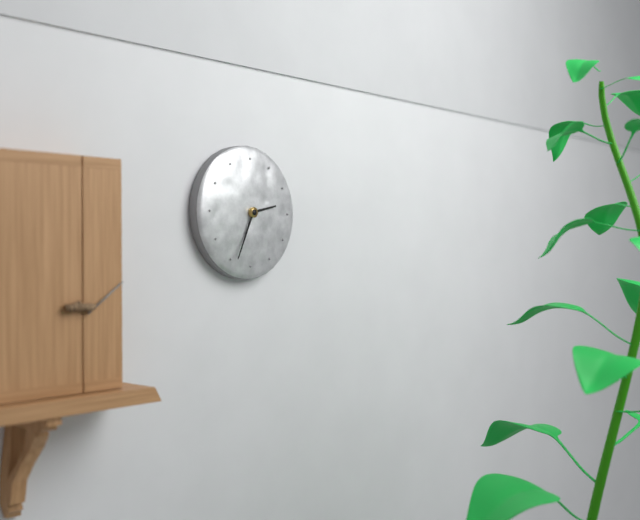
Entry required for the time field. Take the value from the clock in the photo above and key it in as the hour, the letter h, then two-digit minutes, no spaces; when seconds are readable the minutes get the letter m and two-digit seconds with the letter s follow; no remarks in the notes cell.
2h34
